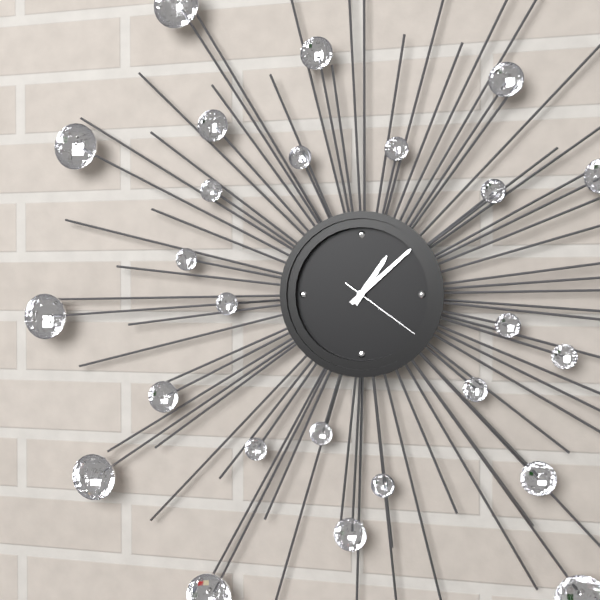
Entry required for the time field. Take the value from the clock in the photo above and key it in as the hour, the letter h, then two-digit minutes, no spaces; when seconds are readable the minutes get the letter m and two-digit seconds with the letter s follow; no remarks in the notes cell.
1h08m21s
